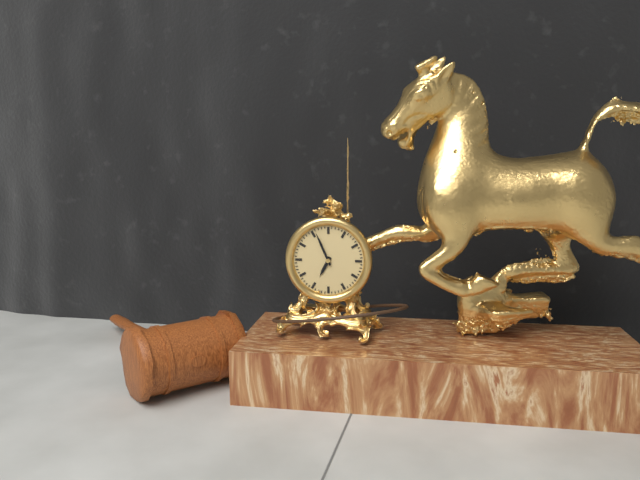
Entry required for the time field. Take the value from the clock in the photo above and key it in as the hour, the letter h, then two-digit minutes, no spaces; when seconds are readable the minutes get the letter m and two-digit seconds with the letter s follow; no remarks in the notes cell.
6h56
